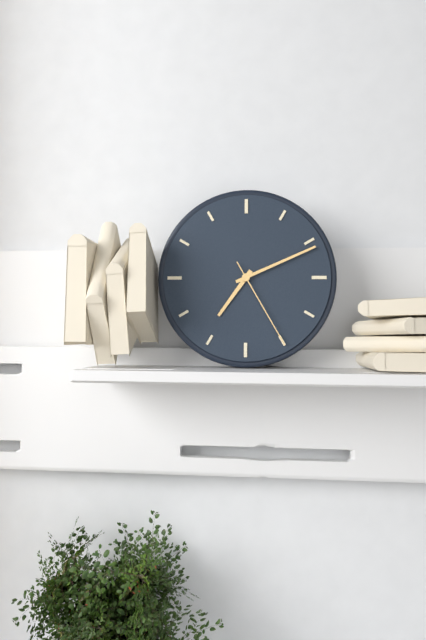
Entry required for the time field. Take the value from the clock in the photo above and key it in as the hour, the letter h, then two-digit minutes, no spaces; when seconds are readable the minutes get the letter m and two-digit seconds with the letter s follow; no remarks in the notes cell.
7h11m25s
